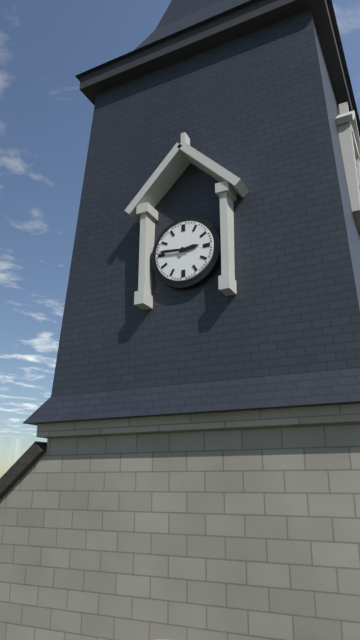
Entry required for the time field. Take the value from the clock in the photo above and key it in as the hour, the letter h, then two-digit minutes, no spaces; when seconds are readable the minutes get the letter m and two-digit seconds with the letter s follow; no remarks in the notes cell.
2h46
